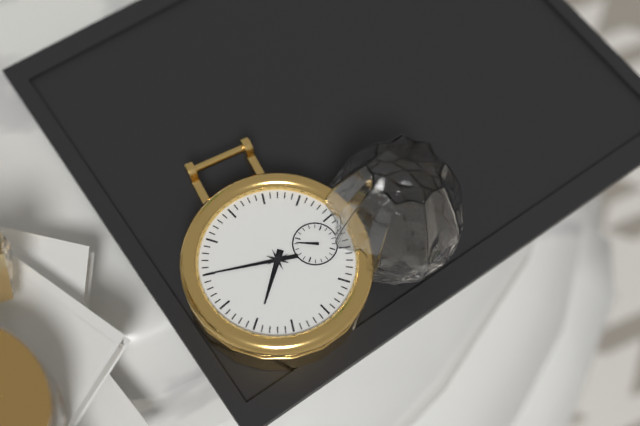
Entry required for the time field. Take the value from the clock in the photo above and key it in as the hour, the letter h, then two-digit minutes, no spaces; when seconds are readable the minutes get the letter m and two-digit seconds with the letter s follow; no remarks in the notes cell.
8h55
